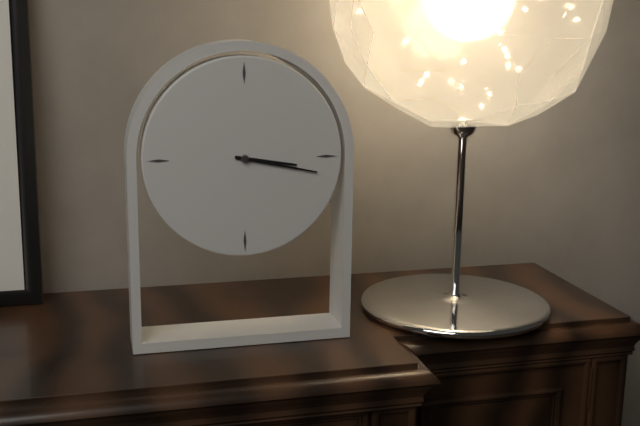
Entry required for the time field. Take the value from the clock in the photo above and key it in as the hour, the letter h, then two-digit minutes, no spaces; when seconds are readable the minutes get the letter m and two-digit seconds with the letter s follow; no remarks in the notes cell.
3h17
